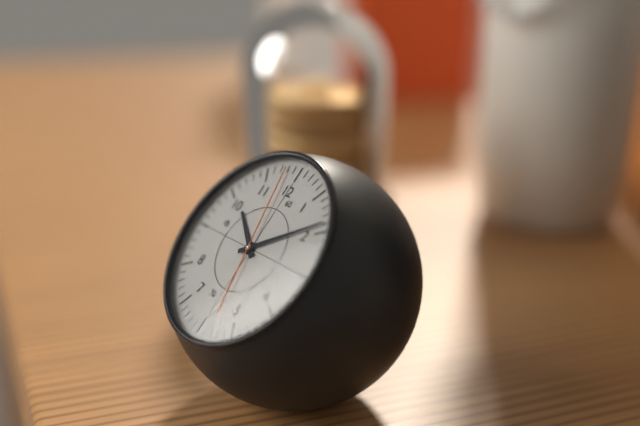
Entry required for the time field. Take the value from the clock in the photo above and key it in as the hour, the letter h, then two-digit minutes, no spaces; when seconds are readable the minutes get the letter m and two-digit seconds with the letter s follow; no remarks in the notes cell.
10h09m58s
